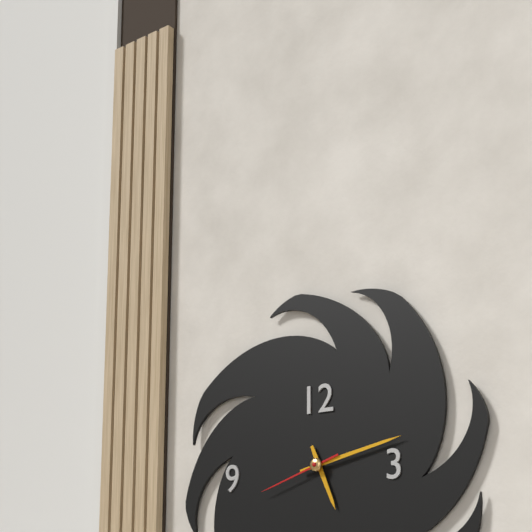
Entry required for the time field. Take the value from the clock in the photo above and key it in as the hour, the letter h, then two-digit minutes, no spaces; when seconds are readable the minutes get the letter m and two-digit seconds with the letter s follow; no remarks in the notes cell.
5h13m42s
